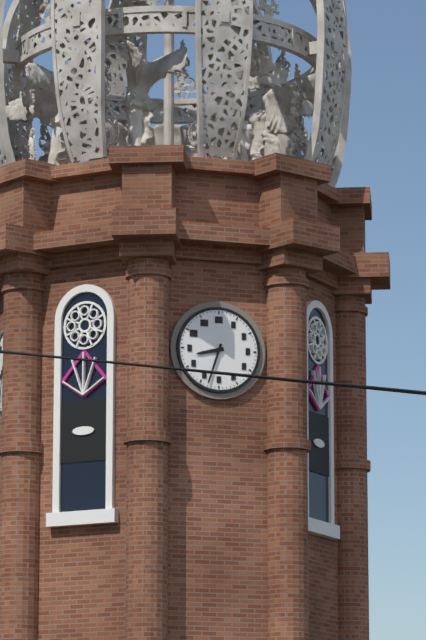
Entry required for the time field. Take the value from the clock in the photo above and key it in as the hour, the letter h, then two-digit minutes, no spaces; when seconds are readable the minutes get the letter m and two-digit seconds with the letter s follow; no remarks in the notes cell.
8h33
